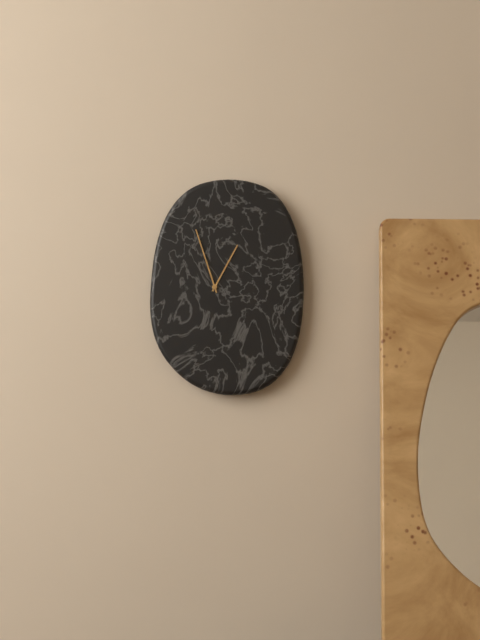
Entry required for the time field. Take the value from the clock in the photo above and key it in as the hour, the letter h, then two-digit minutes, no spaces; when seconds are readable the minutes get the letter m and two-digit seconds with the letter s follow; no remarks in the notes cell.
12h57
